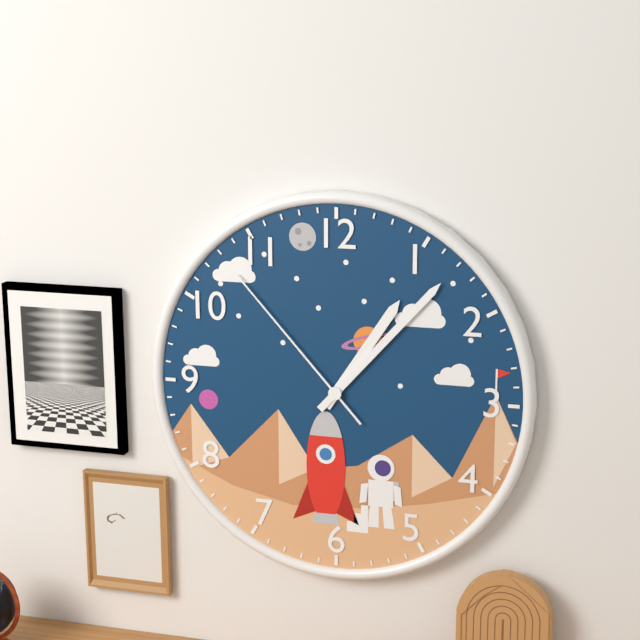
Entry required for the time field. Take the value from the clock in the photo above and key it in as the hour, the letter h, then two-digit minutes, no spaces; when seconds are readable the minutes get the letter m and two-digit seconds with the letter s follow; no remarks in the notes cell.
1h07m53s
